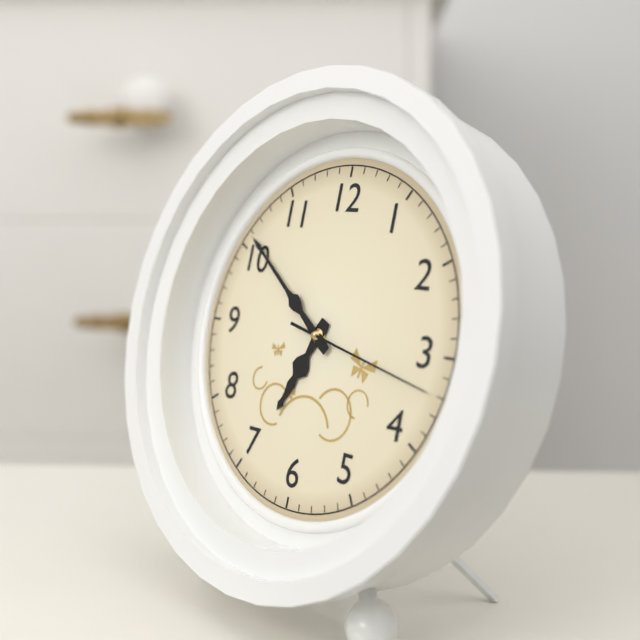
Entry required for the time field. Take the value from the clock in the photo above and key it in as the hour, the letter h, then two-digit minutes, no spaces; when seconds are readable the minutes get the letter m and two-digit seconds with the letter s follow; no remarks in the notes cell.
6h51m17s
